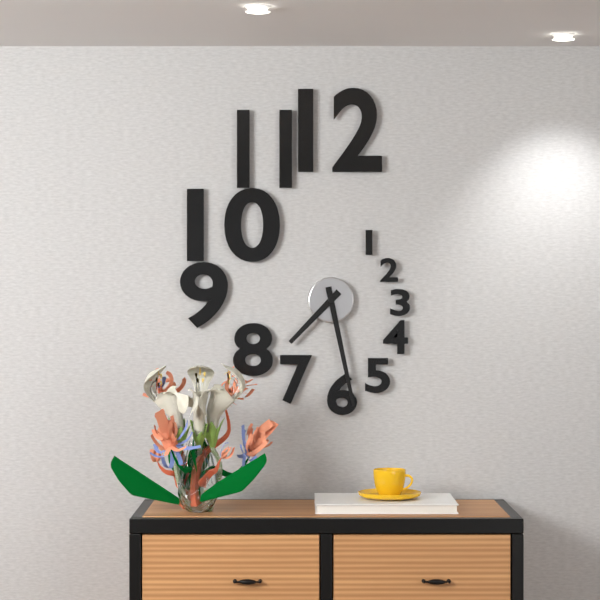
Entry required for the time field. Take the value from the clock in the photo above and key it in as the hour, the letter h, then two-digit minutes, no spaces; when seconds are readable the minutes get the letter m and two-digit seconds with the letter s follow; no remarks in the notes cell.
7h28
